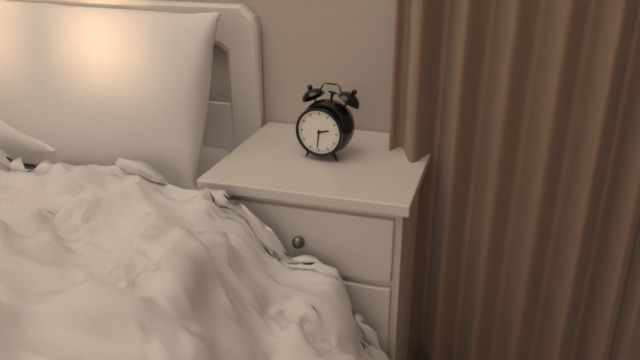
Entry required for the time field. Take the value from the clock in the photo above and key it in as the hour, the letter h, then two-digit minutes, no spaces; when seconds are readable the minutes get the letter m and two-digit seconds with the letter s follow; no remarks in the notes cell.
2h31
